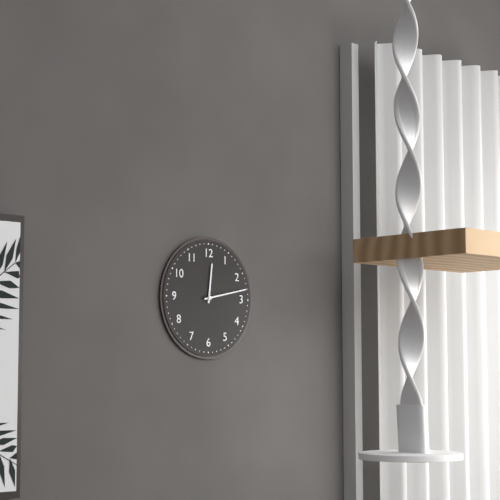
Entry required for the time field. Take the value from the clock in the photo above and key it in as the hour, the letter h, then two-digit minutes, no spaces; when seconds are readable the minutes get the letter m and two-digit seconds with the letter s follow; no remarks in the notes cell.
12h13
